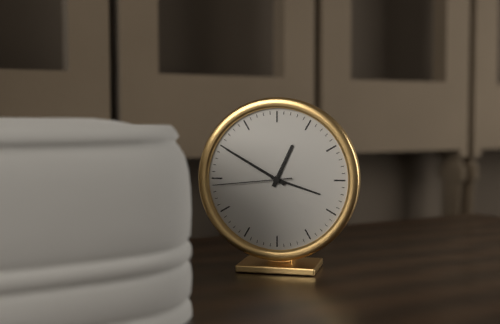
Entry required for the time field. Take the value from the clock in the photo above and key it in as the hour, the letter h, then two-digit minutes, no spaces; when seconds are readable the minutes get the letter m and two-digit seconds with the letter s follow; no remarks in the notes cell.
12h50m44s
